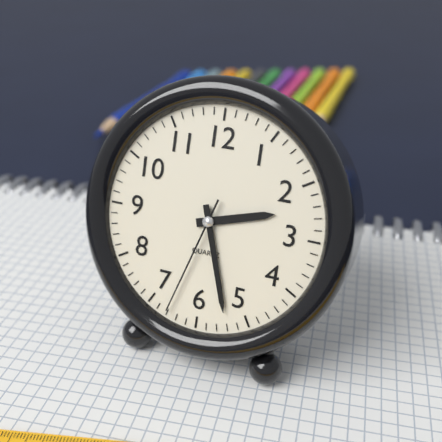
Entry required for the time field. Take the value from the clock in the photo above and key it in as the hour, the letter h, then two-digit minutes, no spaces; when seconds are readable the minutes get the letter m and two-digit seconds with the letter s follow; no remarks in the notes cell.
2h27m33s
